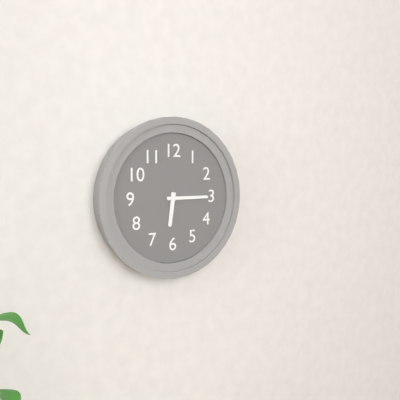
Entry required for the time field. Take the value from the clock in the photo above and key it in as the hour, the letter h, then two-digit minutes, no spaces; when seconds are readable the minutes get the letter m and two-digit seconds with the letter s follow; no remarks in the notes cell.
6h15
